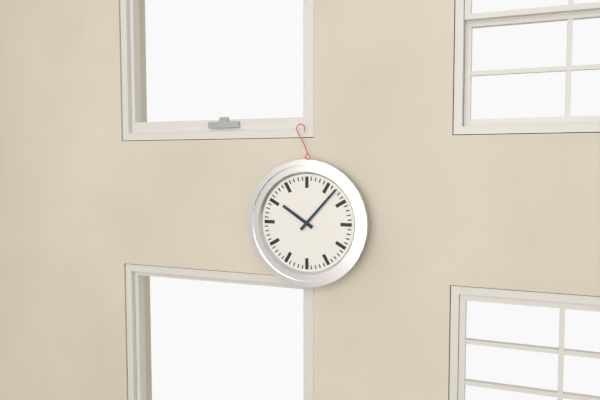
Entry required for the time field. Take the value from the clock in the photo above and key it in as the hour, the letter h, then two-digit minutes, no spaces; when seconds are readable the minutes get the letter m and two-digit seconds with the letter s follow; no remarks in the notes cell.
10h07
